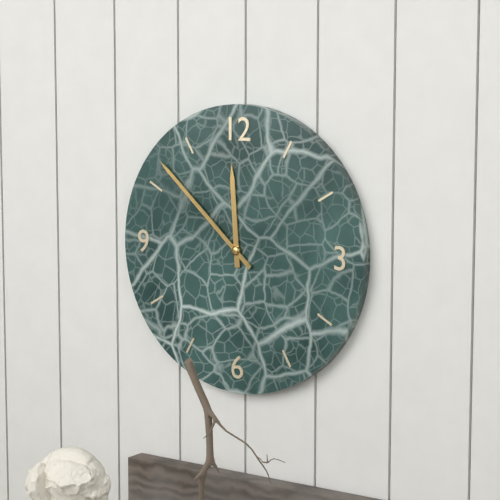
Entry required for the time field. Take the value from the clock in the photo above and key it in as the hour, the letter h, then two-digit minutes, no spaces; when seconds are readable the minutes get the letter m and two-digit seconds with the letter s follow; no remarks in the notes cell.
11h52
